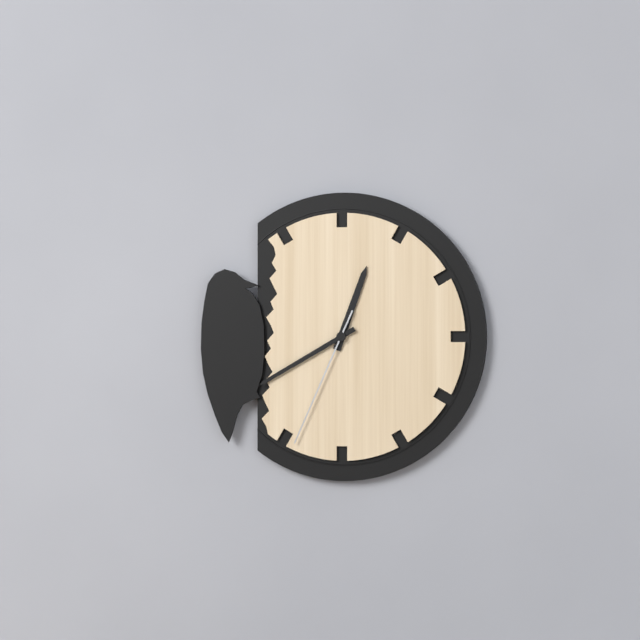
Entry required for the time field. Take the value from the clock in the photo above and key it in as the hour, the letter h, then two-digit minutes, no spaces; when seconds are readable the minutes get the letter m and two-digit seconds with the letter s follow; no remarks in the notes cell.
12h40m34s
